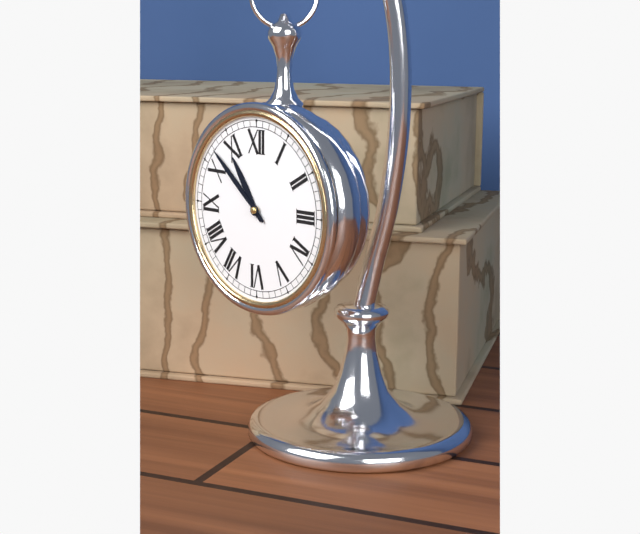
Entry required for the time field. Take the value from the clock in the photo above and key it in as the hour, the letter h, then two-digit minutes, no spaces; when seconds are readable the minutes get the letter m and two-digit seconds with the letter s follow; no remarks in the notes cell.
10h52
